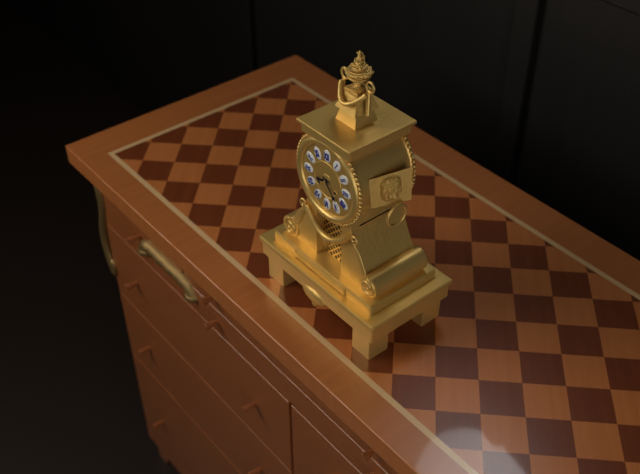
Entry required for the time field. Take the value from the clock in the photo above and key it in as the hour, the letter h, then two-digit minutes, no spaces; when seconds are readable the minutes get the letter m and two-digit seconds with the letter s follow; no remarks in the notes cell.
8h23
